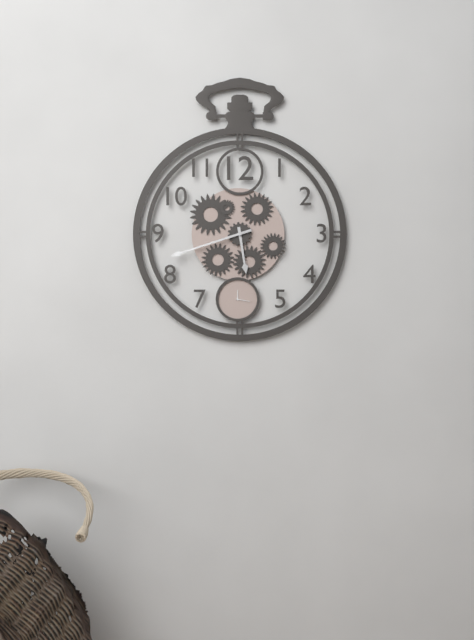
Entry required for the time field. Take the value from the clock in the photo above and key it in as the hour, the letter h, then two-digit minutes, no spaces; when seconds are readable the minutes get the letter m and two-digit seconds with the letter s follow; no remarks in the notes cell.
5h42
